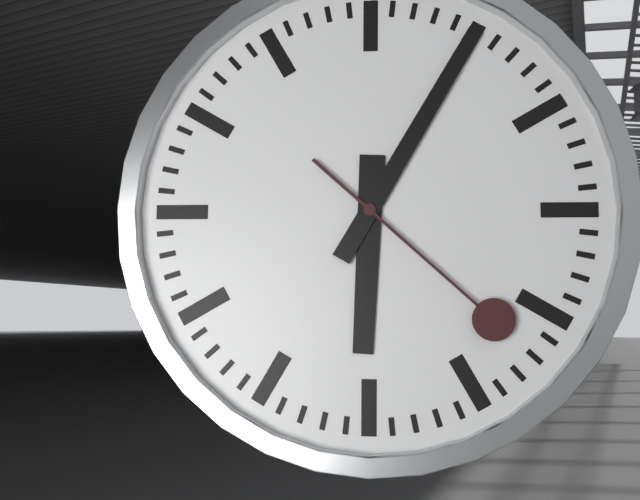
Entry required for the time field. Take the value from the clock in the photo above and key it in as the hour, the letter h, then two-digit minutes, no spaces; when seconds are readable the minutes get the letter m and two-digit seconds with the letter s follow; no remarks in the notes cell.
6h05m22s
